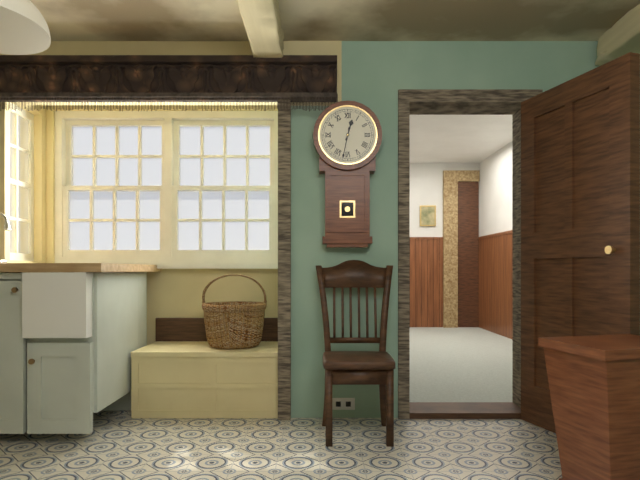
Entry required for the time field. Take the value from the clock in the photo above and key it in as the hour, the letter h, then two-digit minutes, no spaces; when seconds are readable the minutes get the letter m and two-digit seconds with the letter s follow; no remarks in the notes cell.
12h32
